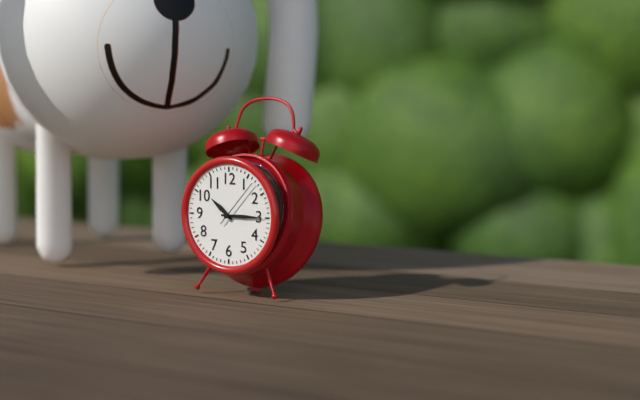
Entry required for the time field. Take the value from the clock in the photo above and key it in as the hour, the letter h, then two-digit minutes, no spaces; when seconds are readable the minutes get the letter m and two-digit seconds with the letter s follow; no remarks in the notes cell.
10h15m07s
